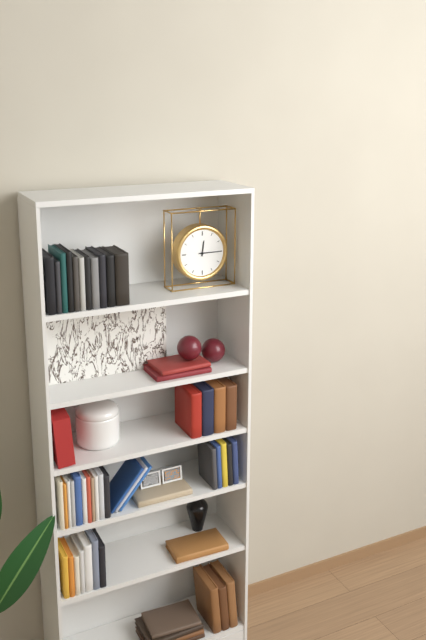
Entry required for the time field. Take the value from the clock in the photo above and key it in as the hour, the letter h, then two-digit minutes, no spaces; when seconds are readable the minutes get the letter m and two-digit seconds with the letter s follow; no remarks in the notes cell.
12h15
